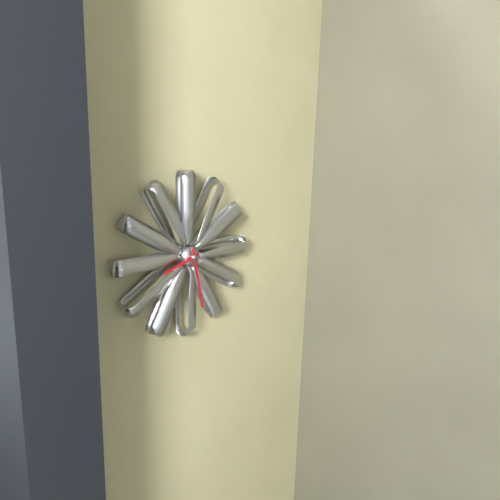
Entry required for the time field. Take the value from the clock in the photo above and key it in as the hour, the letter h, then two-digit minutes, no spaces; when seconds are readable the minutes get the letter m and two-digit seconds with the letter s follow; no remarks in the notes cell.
8h28
